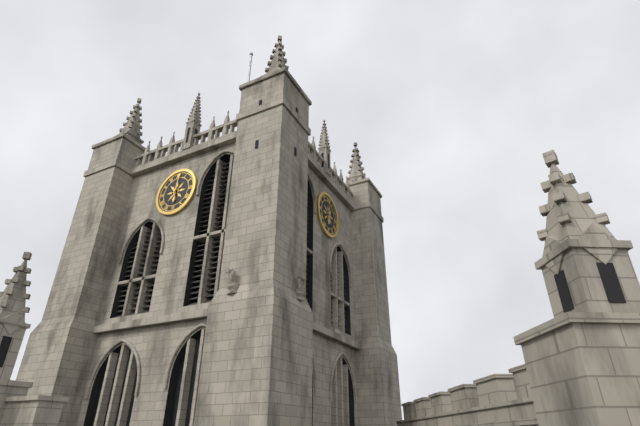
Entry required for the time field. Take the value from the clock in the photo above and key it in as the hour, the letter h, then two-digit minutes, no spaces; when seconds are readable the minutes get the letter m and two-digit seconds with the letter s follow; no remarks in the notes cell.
6h01
